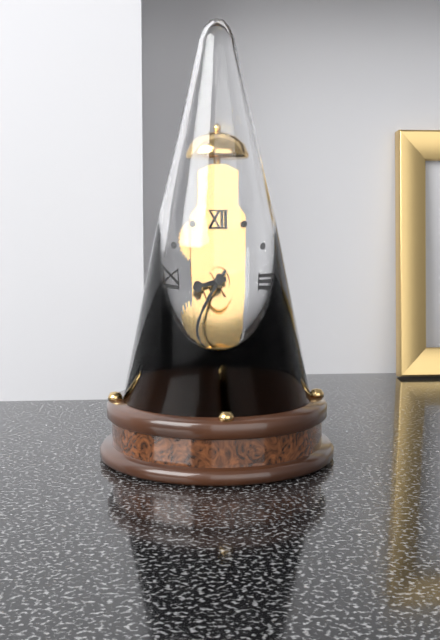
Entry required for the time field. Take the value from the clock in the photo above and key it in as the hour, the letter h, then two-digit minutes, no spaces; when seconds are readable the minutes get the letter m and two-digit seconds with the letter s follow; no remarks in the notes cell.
8h37
